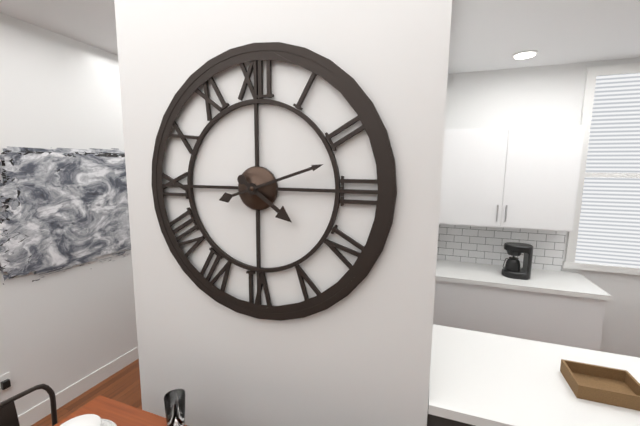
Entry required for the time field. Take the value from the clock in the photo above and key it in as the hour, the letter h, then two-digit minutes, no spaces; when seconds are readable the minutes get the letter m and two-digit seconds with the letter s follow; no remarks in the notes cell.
4h12
